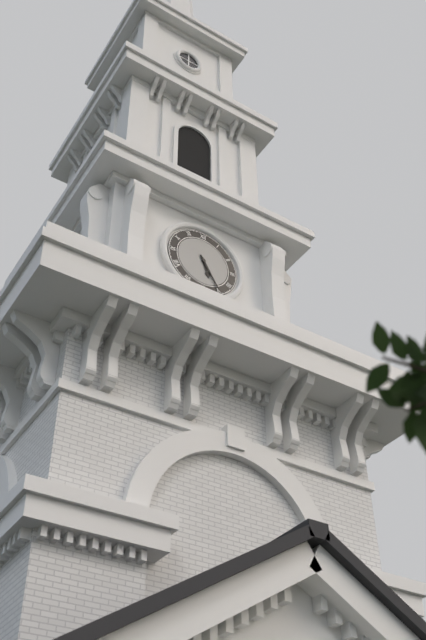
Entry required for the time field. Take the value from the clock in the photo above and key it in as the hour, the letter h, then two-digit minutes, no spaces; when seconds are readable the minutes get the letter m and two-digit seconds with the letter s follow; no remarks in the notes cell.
5h25
